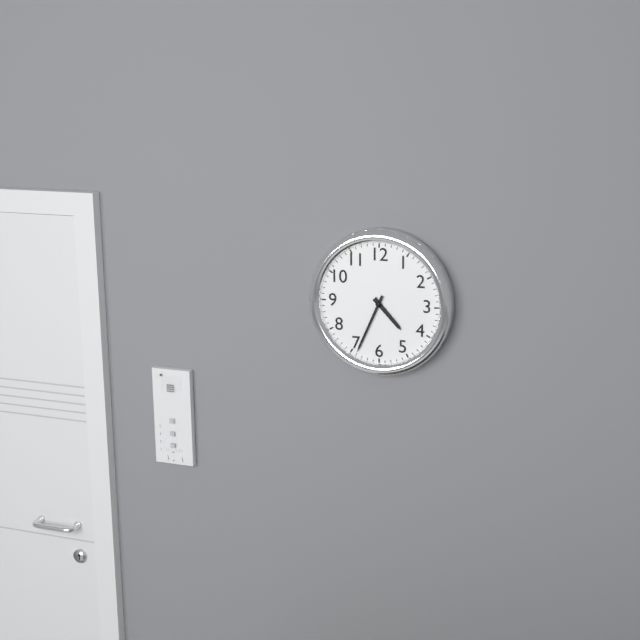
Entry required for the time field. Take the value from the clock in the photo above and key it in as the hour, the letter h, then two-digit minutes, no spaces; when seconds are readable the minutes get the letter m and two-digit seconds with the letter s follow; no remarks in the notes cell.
4h34
